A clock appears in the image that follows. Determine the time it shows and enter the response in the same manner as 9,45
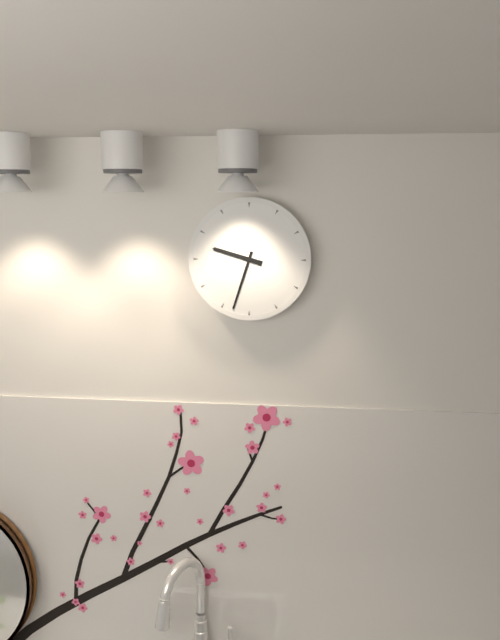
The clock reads 9,33
